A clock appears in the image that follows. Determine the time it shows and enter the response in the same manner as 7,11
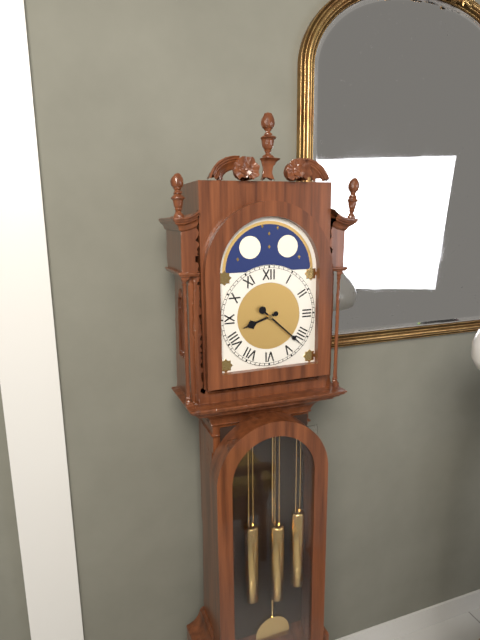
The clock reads 8,22
